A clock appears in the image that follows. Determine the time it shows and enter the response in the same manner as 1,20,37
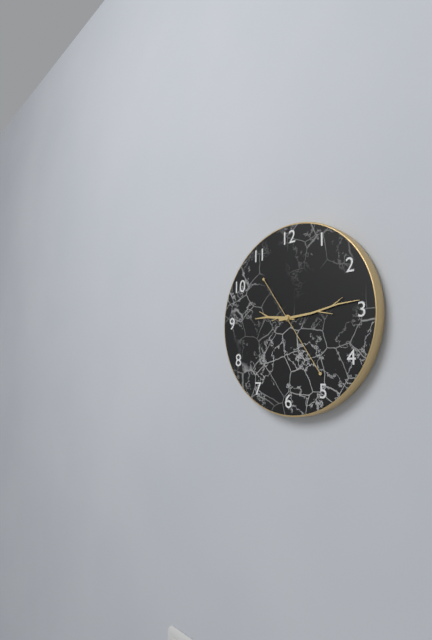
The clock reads 9,14,24
